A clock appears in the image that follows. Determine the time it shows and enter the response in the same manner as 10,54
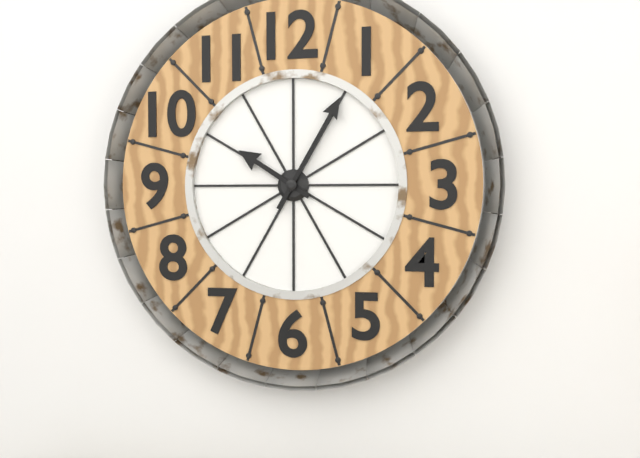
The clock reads 10,05
